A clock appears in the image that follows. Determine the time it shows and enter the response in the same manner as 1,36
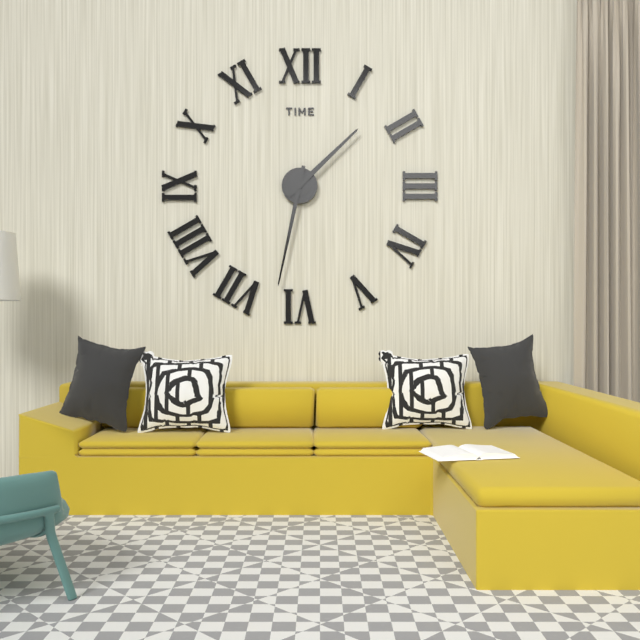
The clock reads 1,32
